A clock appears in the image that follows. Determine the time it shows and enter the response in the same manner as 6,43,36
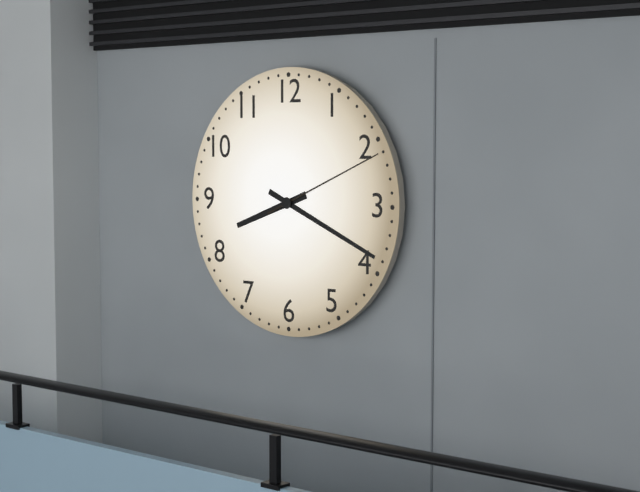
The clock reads 8,19,11
